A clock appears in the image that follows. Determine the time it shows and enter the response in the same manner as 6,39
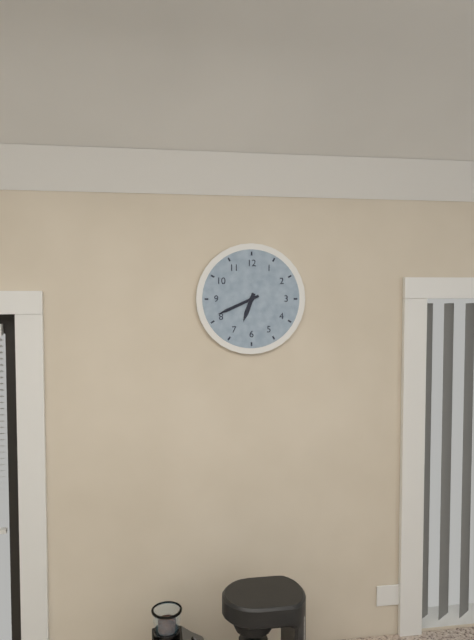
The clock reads 6,41
